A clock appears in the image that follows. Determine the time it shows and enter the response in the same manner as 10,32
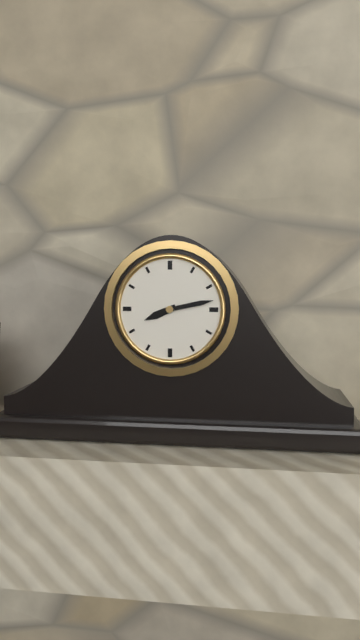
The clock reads 8,13
